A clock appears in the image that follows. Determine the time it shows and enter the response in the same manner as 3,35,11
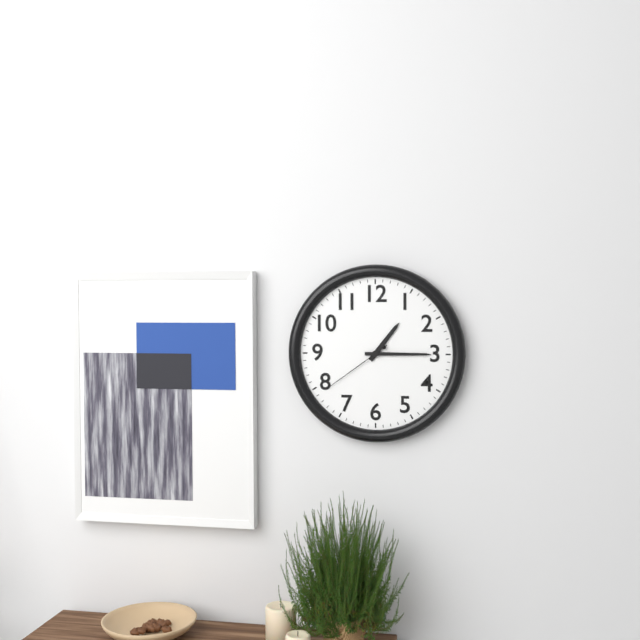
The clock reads 1,15,39
